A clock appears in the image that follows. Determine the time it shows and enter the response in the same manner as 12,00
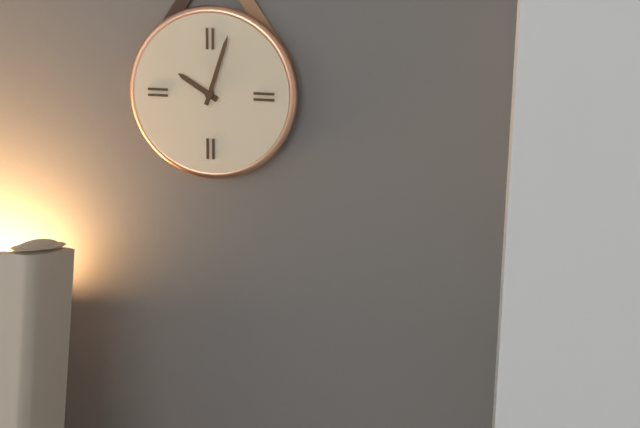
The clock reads 10,03
